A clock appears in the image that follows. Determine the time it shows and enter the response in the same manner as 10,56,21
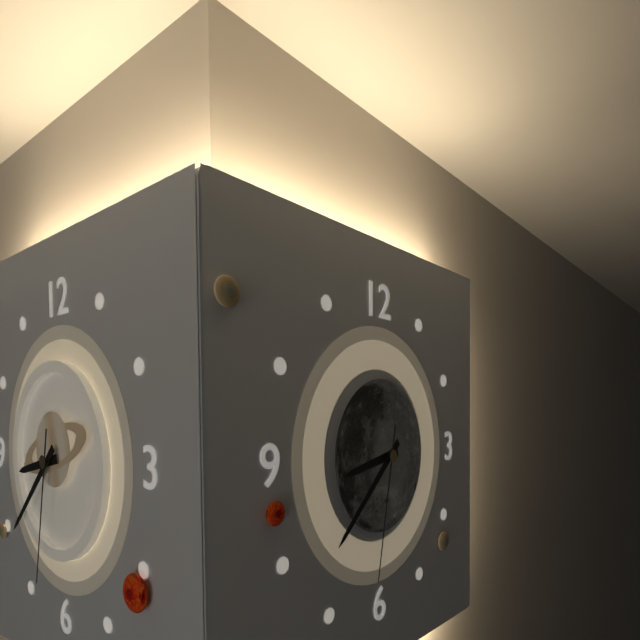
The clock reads 8,38,32
